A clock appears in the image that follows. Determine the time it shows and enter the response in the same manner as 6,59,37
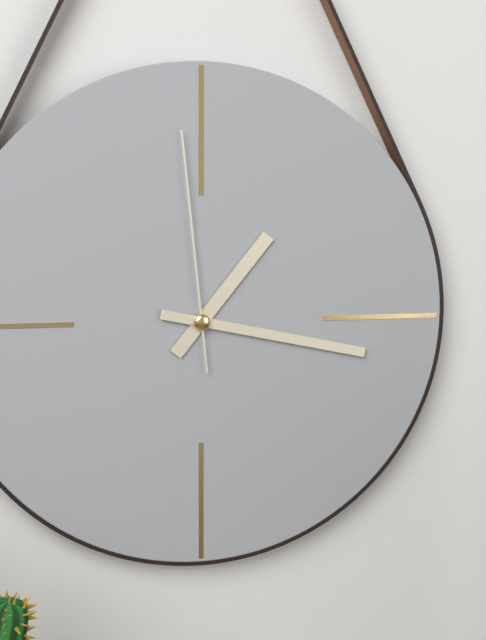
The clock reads 1,17,59
